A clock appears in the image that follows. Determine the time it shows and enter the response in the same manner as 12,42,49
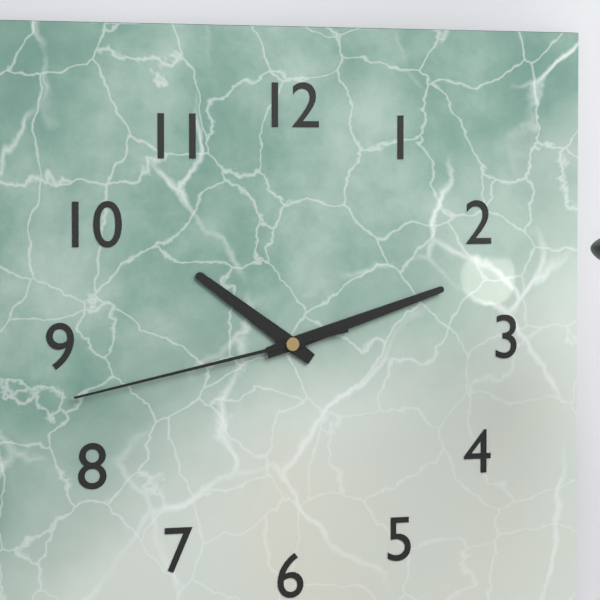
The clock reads 10,12,43
